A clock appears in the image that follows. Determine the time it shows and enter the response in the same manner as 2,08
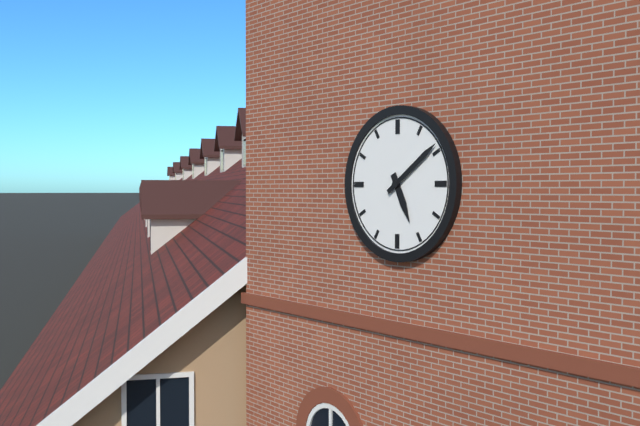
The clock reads 5,09
